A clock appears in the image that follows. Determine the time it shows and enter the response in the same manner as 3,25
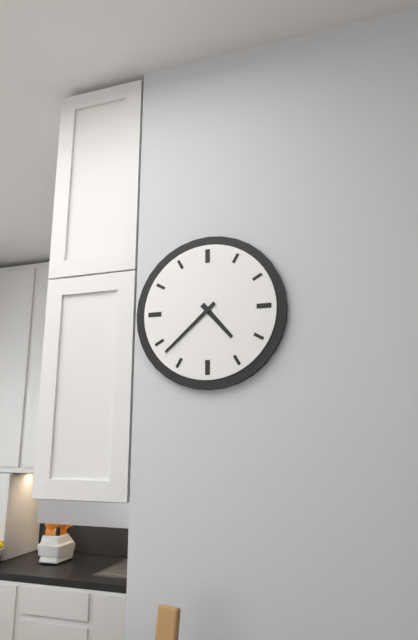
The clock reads 4,38
